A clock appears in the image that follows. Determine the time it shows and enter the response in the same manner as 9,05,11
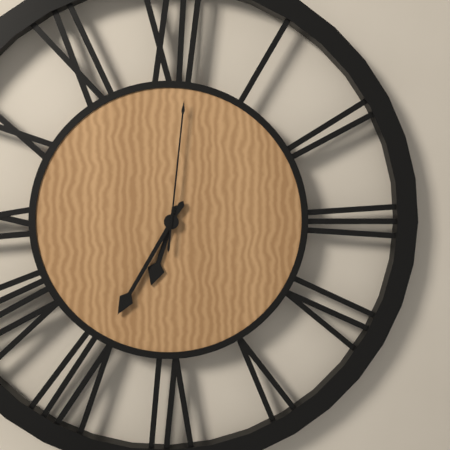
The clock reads 6,35,01
